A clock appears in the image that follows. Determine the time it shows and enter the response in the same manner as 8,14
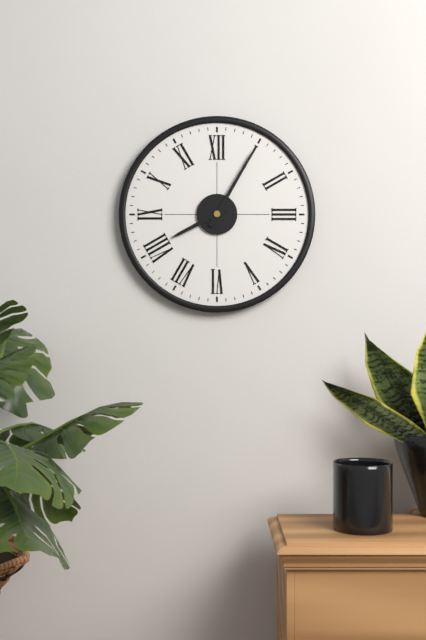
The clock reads 8,05
